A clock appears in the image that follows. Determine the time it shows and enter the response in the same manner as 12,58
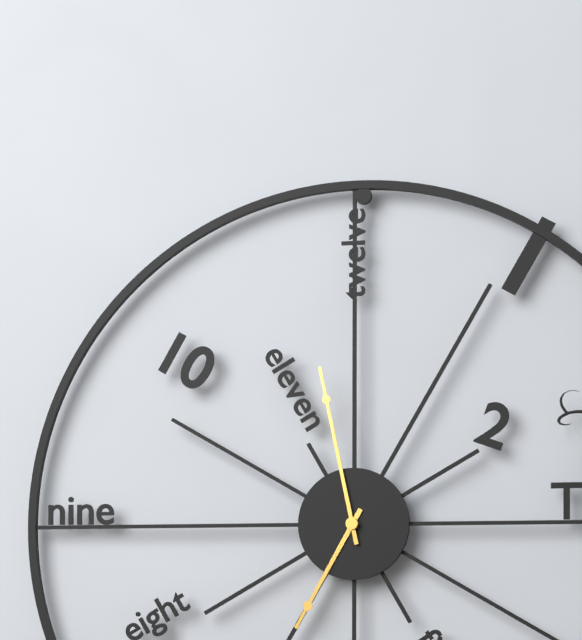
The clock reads 6,58
